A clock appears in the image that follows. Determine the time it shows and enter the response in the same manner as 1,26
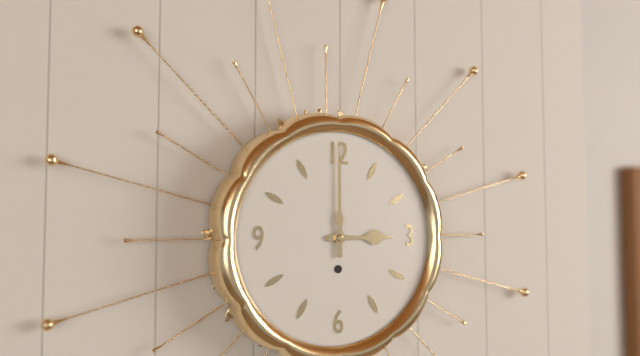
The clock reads 3,00
